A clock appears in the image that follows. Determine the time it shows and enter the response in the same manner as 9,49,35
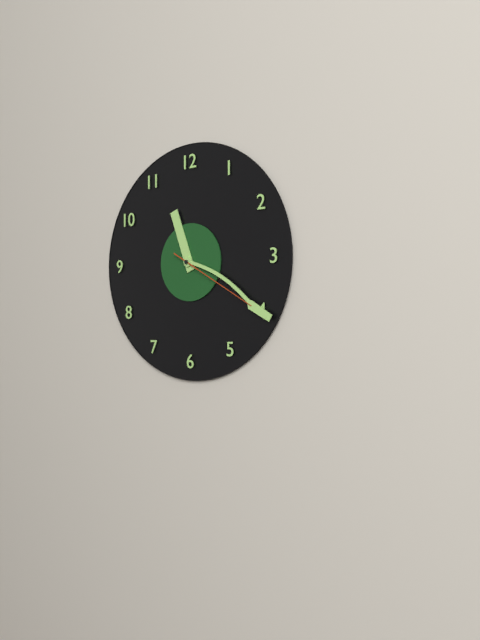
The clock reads 11,20,20
